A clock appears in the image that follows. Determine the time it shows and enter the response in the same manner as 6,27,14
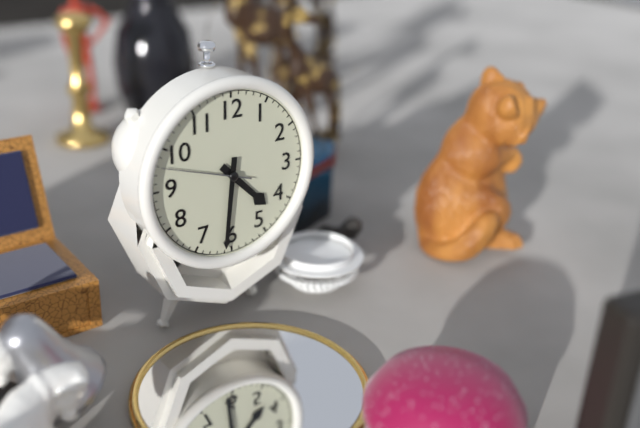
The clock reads 4,31,48
